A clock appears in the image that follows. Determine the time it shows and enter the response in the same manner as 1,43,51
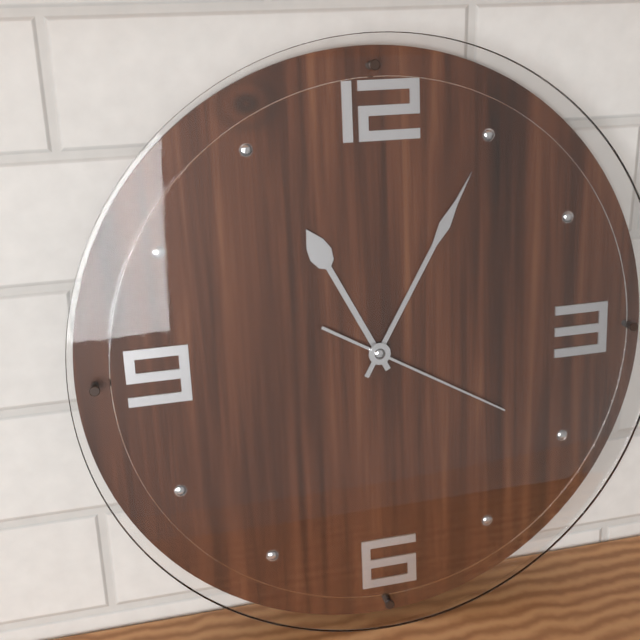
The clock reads 11,05,20
